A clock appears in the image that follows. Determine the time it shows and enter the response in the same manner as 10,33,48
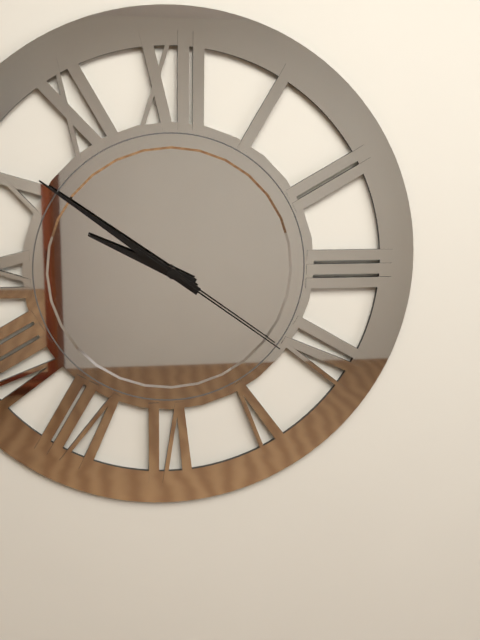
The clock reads 9,51,21
